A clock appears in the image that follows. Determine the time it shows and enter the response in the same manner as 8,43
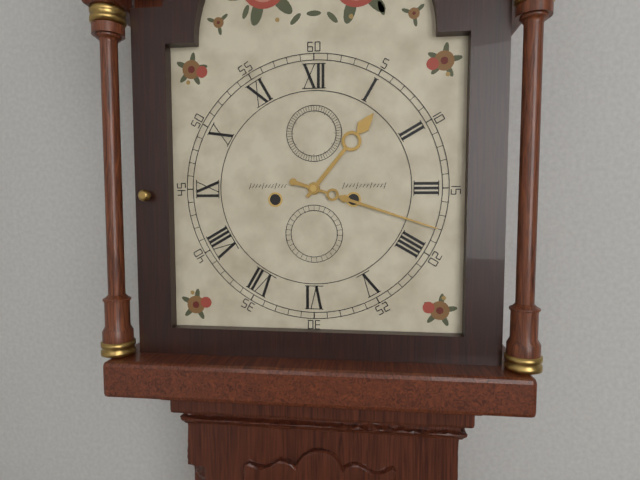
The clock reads 1,18
